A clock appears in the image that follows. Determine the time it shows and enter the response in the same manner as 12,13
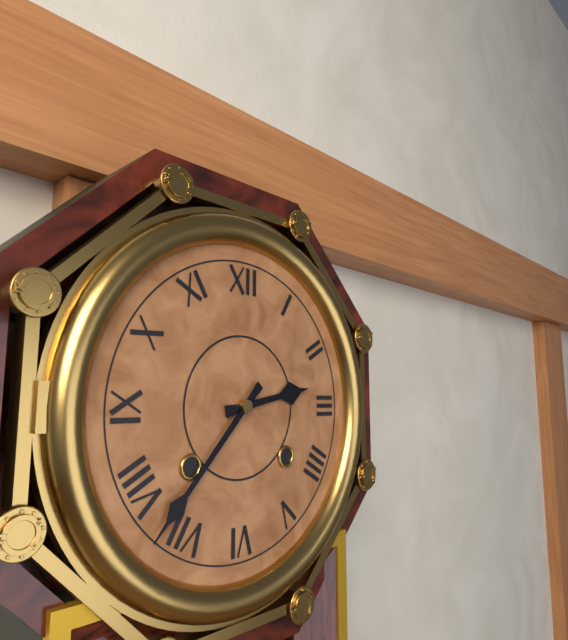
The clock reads 2,37
